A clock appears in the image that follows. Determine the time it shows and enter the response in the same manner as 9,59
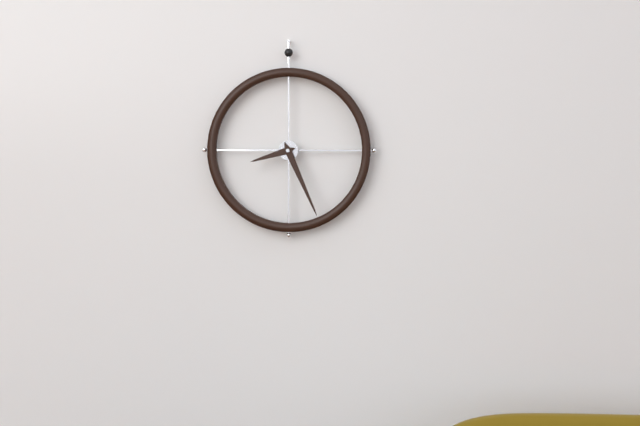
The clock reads 8,26
